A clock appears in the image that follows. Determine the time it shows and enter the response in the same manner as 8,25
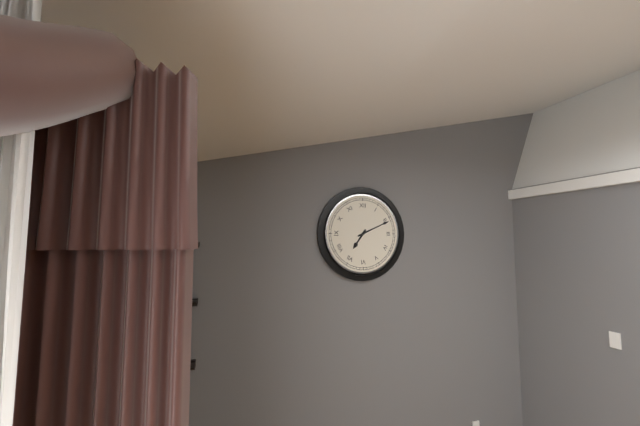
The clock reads 7,11
